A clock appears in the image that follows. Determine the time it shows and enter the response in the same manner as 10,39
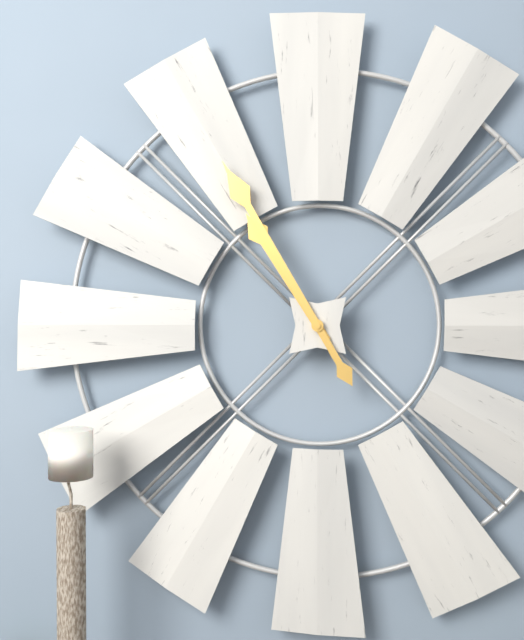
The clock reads 10,55
